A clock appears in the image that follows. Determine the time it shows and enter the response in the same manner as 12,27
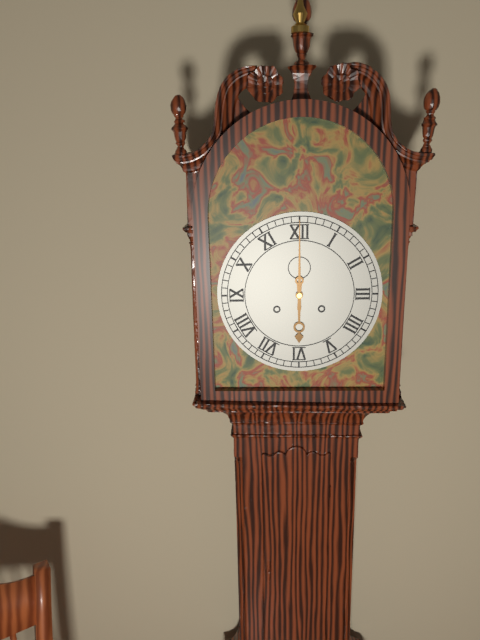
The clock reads 6,00
